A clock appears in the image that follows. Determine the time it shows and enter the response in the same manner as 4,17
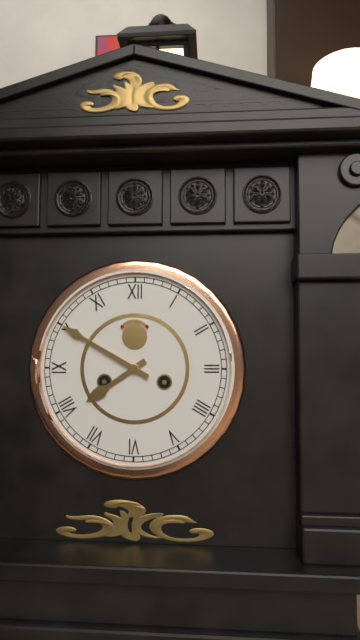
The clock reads 7,50
